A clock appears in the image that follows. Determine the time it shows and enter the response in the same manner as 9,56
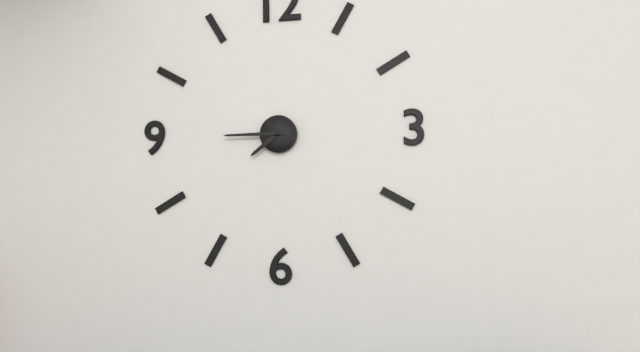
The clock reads 7,45
